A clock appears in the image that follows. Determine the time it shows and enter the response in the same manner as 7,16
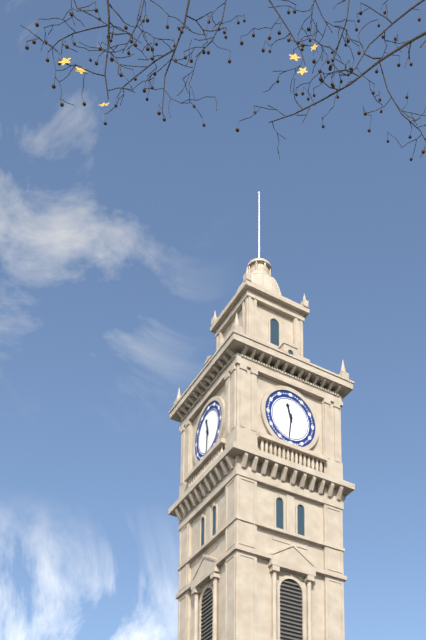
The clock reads 11,31
